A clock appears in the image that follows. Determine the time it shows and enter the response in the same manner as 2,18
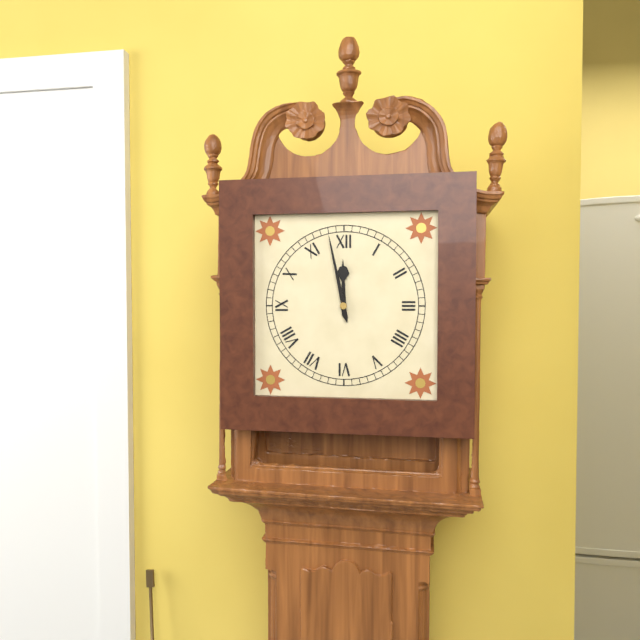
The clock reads 11,58
